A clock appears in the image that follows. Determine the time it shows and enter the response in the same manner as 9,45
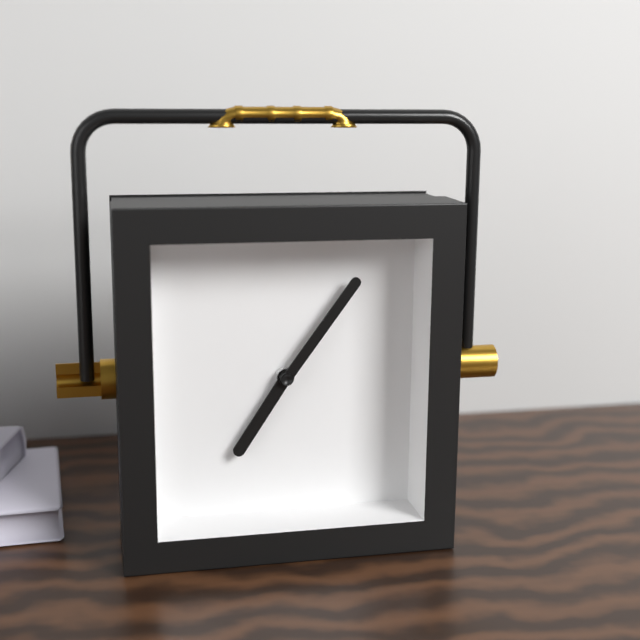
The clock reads 7,06
